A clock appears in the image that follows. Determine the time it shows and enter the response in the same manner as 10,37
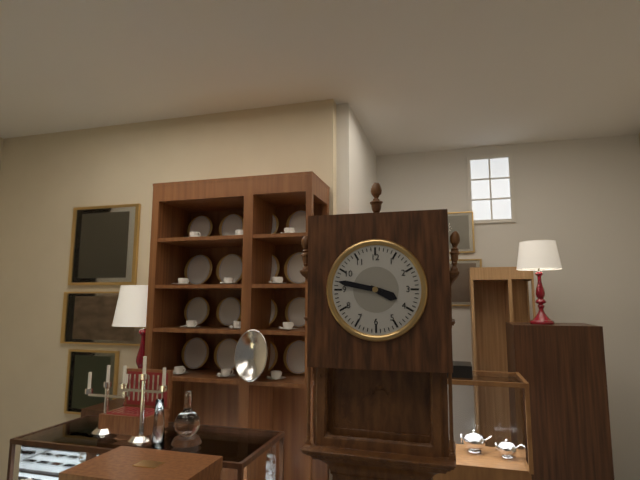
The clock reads 3,47
